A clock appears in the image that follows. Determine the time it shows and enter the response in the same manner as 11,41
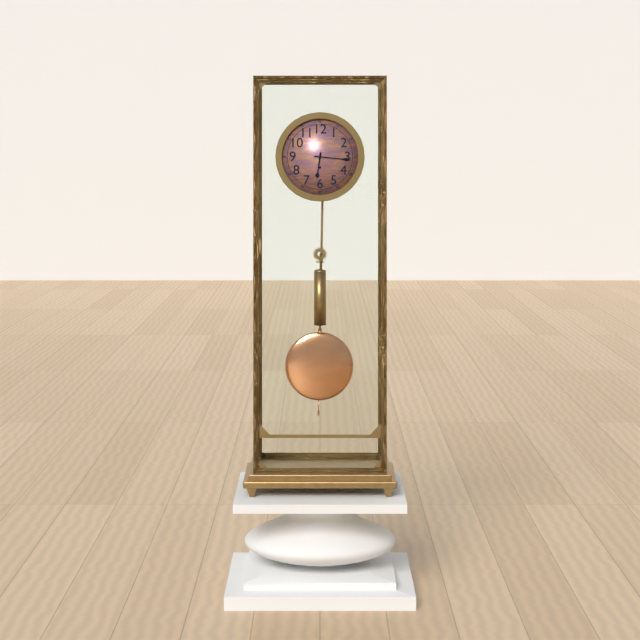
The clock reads 6,16
